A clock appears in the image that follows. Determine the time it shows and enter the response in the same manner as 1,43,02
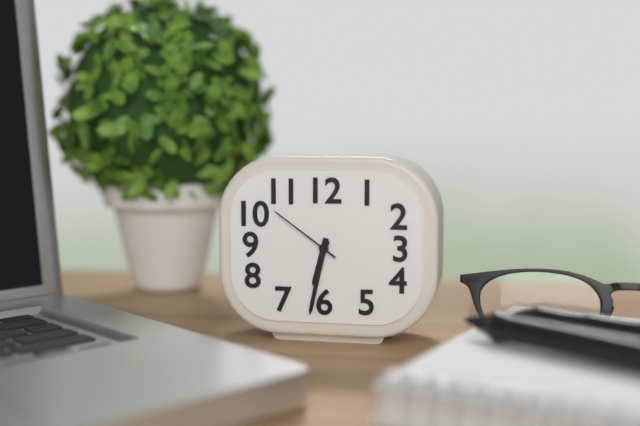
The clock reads 6,32,51
